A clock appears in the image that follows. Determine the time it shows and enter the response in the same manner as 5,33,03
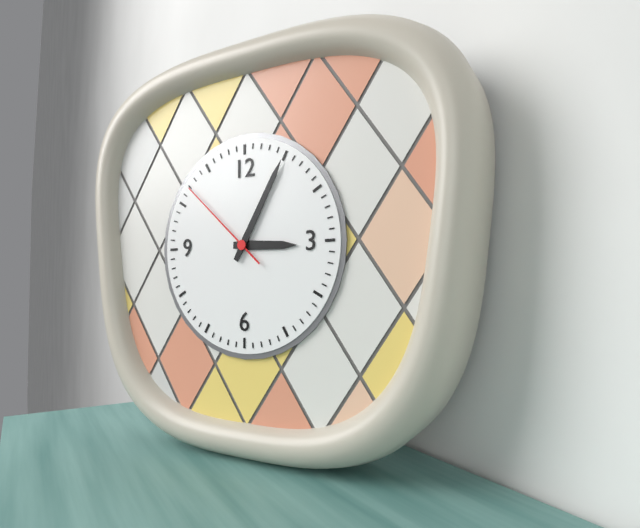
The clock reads 3,05,52
